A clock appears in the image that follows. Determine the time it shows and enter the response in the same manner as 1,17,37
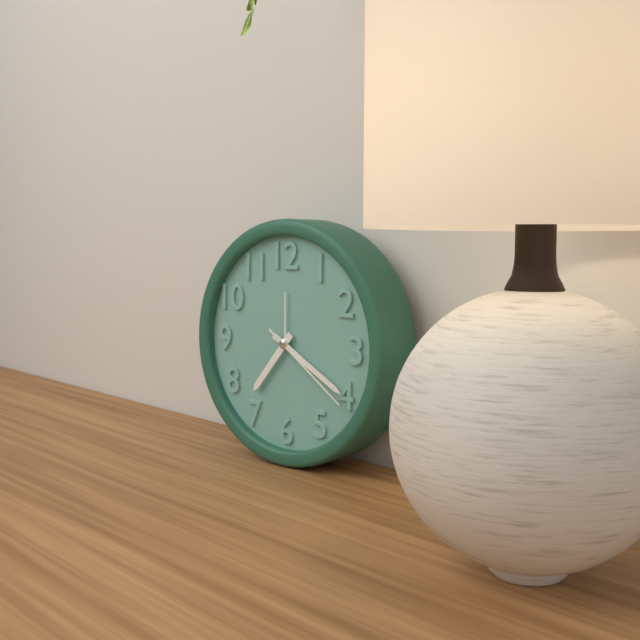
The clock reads 7,20,21
